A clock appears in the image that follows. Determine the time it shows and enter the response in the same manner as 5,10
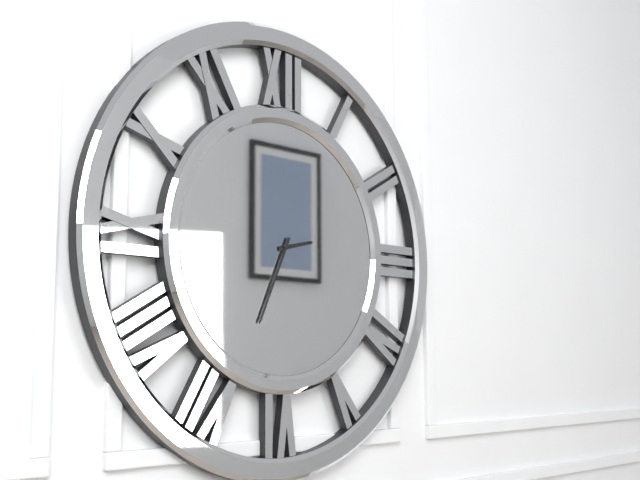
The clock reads 2,34
